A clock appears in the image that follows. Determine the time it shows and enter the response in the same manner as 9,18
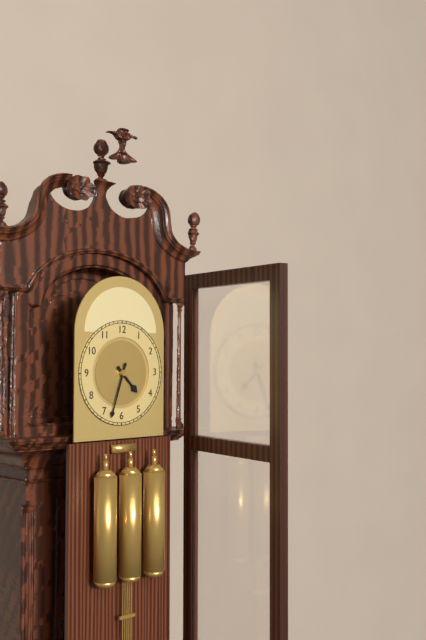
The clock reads 4,33
